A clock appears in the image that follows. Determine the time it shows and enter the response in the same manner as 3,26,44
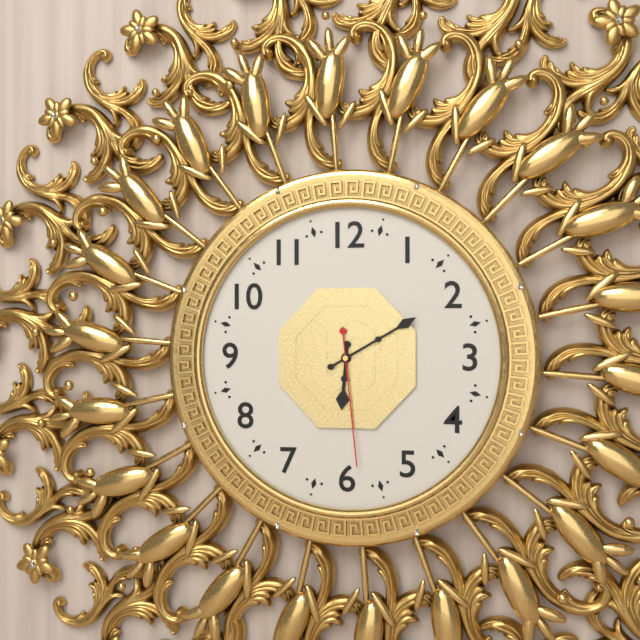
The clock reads 6,10,29
